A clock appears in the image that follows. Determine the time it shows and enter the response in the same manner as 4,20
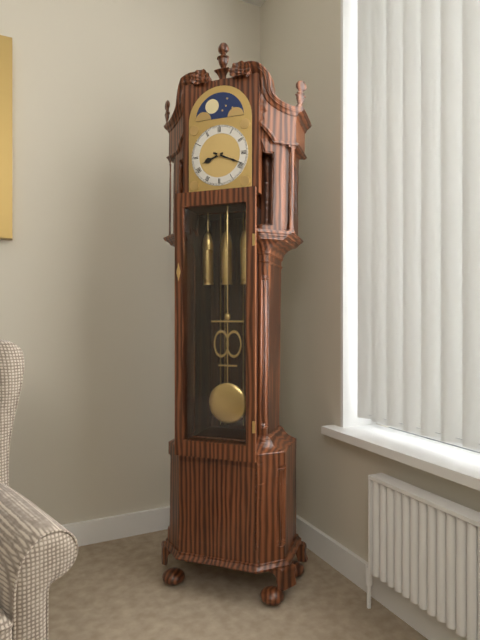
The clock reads 8,19
